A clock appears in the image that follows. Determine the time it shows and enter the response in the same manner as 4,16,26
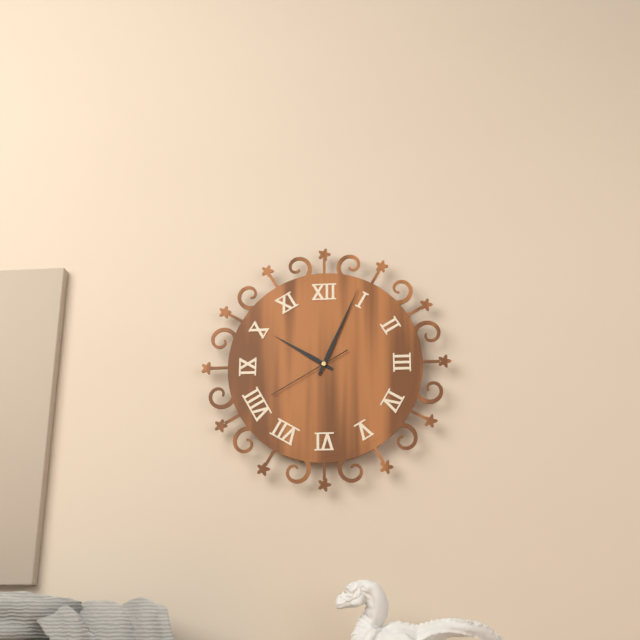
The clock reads 10,04,40
